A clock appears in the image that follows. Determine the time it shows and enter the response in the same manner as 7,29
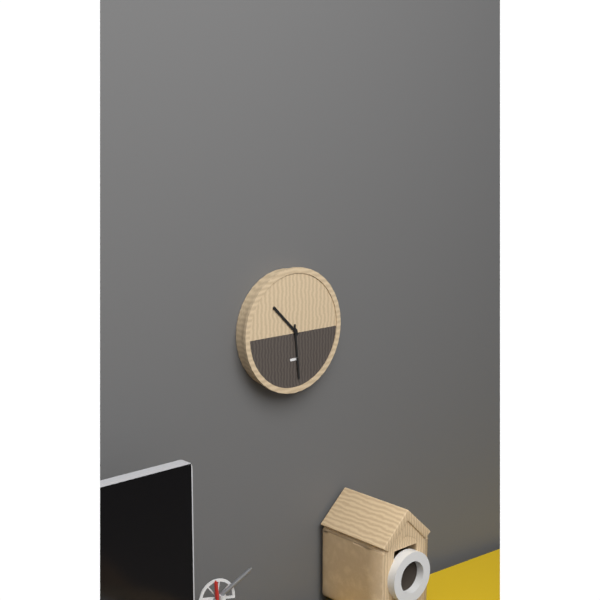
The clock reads 10,29
